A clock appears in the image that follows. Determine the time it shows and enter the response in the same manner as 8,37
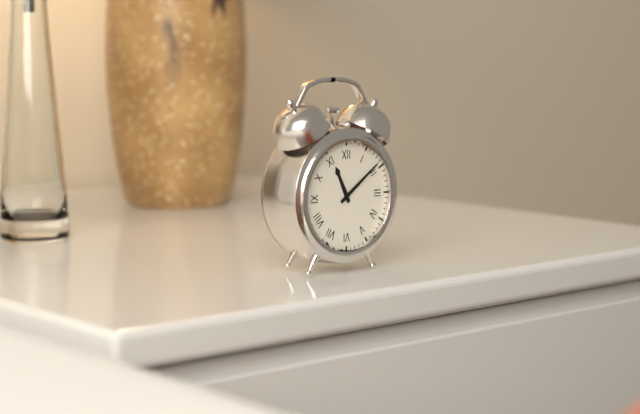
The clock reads 11,09
